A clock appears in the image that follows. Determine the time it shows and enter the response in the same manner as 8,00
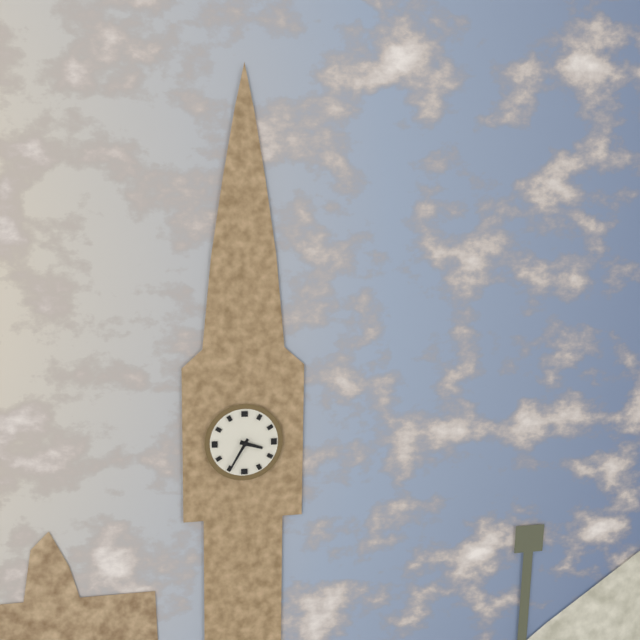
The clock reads 3,35
